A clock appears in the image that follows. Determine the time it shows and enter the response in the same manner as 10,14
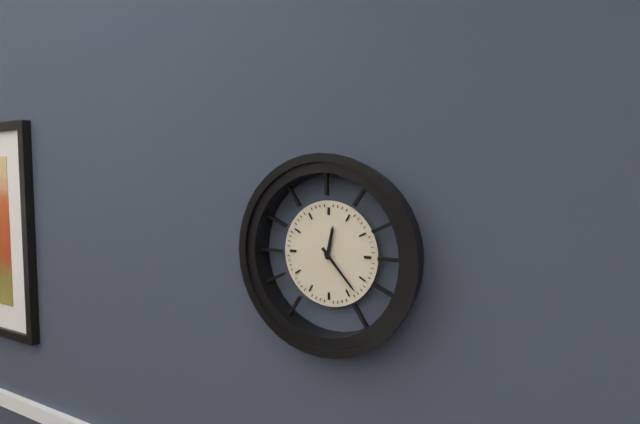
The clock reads 12,23
